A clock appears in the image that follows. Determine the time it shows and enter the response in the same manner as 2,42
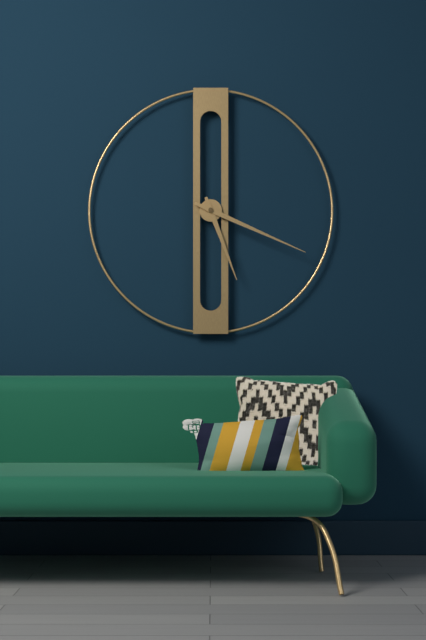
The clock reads 5,19
